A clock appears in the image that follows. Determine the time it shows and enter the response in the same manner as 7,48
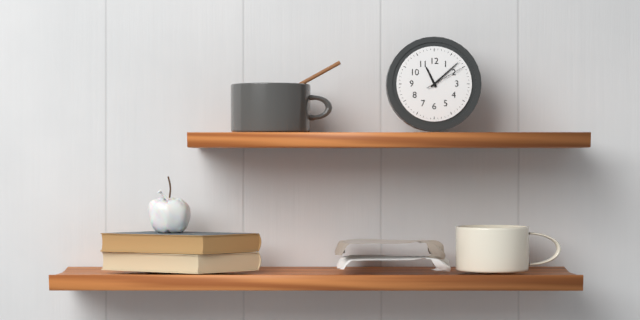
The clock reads 11,08
